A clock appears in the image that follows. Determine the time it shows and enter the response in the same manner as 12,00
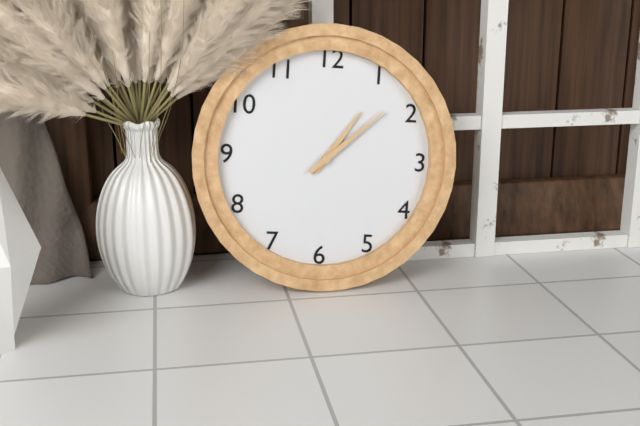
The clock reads 1,08
